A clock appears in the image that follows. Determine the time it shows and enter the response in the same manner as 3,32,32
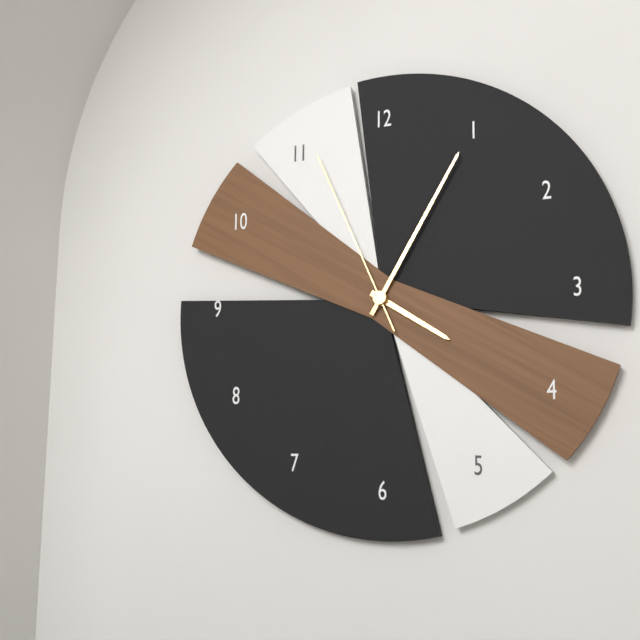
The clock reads 4,05,56
